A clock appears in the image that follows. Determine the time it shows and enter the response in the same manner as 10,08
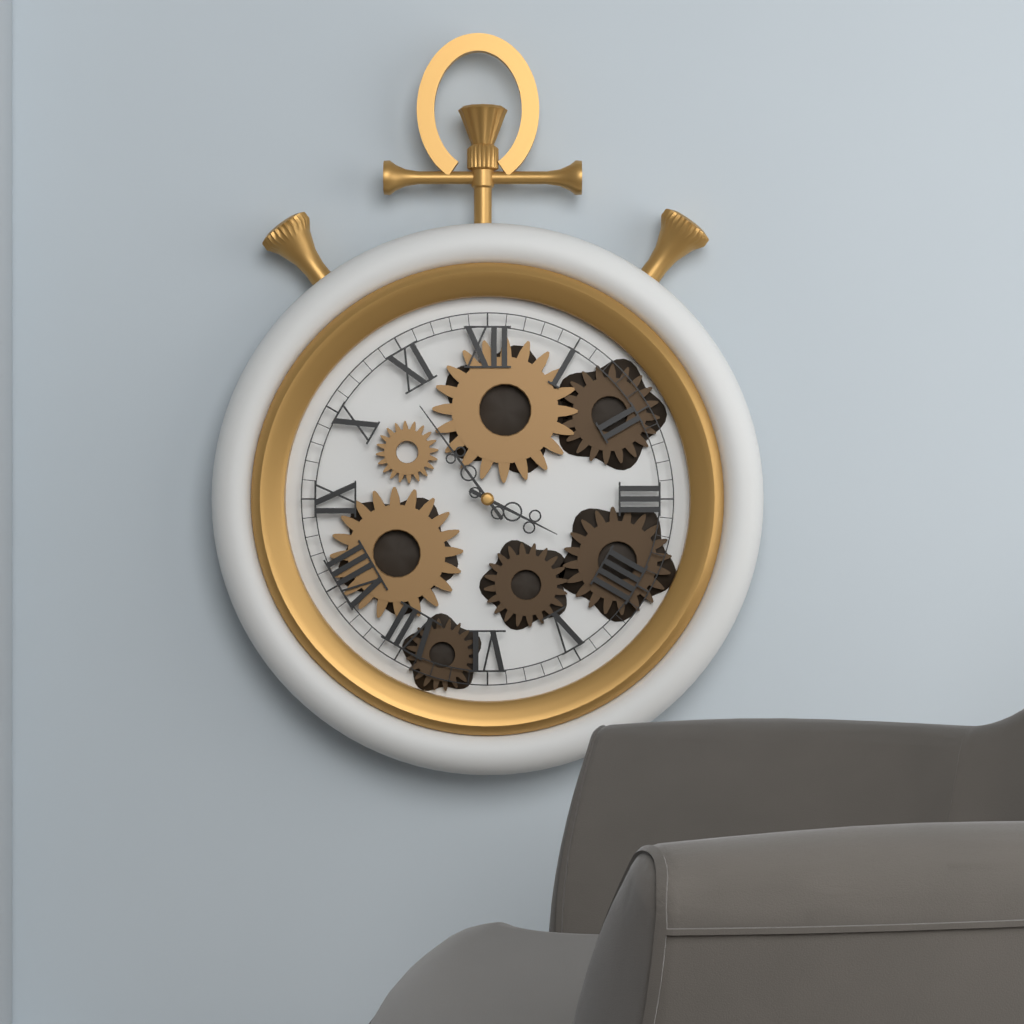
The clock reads 3,54
